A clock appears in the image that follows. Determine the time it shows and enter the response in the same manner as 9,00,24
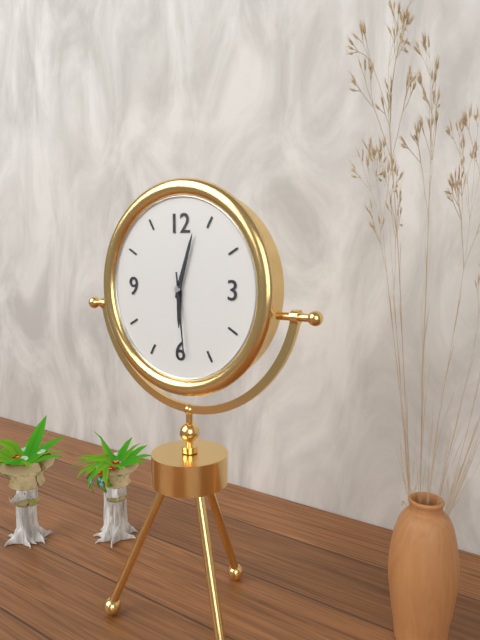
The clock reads 6,03,29
